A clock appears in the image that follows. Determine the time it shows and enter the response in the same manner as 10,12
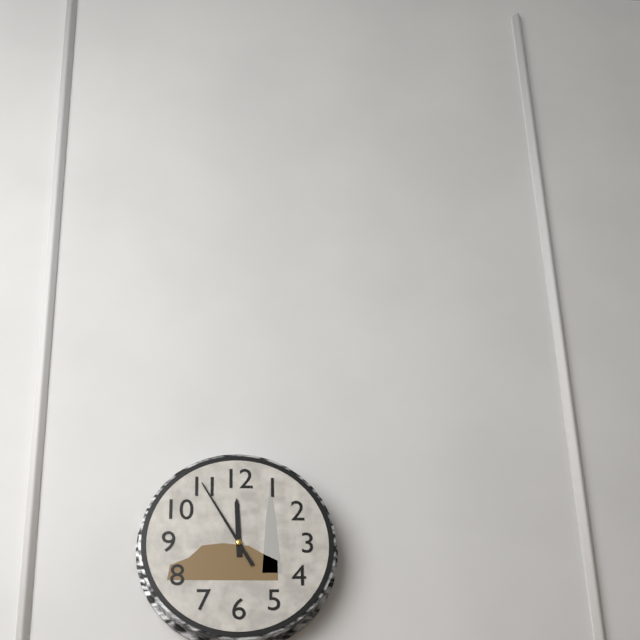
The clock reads 11,55
